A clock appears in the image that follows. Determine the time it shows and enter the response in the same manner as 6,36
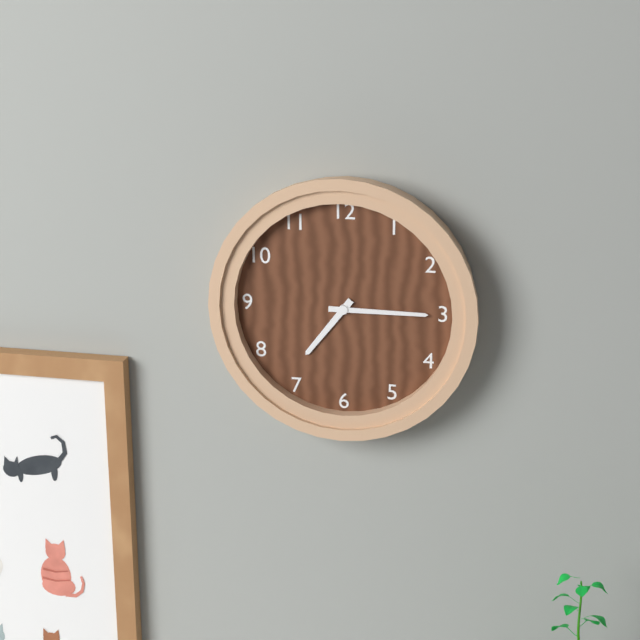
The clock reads 7,15
